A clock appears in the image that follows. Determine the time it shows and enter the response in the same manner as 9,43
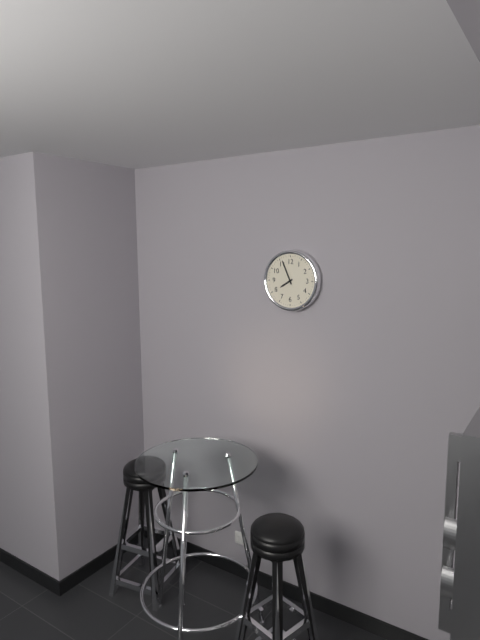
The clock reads 7,56
